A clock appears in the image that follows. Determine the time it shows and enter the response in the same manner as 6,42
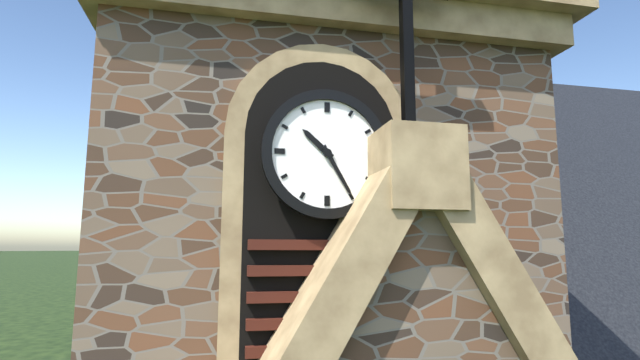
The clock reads 10,25
